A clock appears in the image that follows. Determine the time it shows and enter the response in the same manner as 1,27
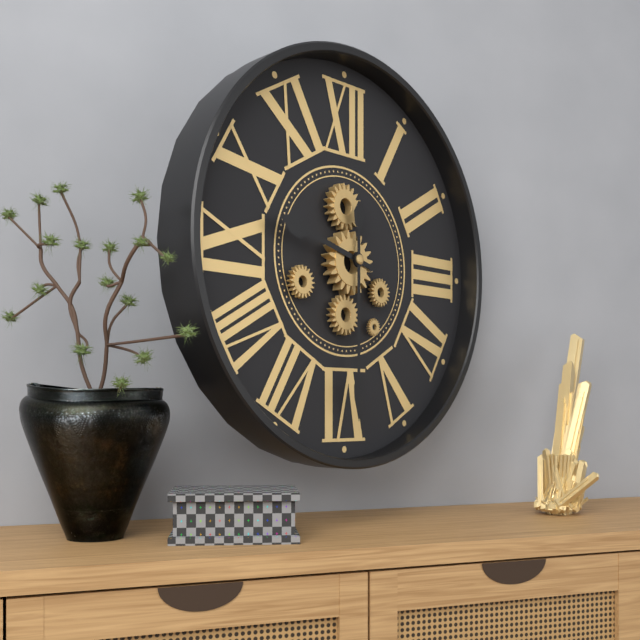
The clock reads 9,30
